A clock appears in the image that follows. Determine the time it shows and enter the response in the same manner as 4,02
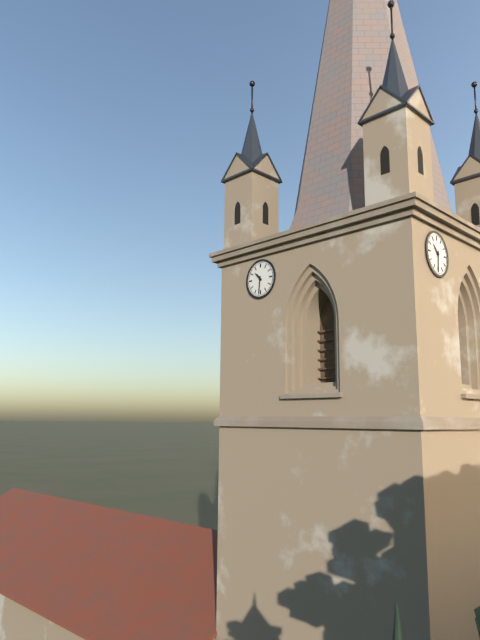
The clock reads 10,31
